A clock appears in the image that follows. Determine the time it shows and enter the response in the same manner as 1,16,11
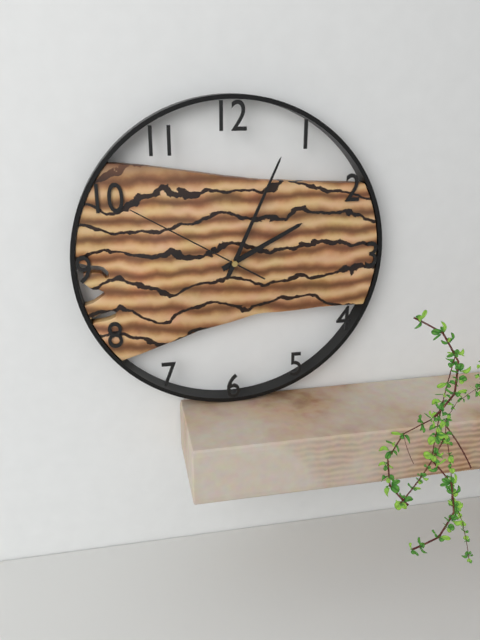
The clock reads 2,04,50
